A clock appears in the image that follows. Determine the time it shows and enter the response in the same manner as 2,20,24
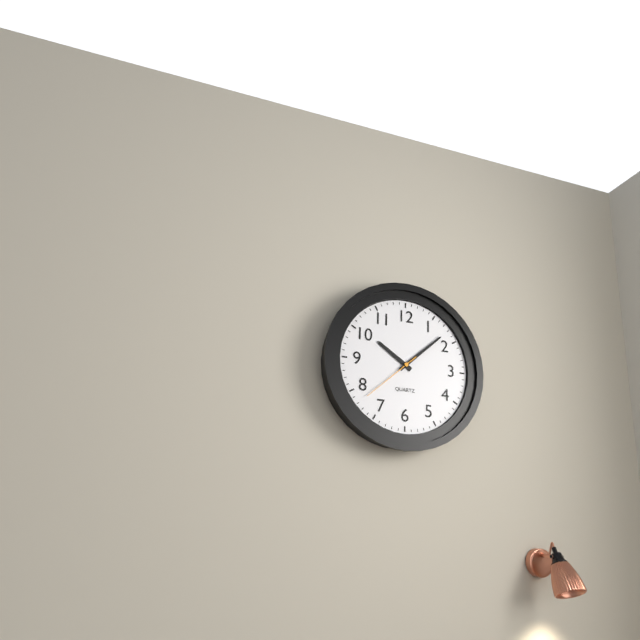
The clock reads 10,08,38
